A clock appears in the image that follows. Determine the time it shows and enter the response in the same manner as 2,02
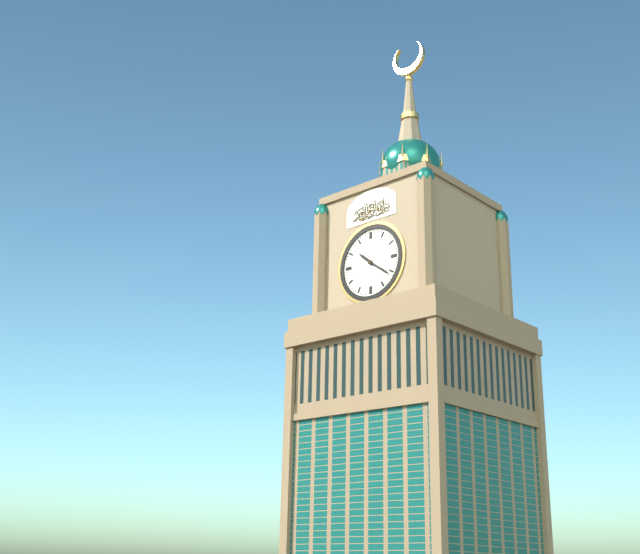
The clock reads 10,21
